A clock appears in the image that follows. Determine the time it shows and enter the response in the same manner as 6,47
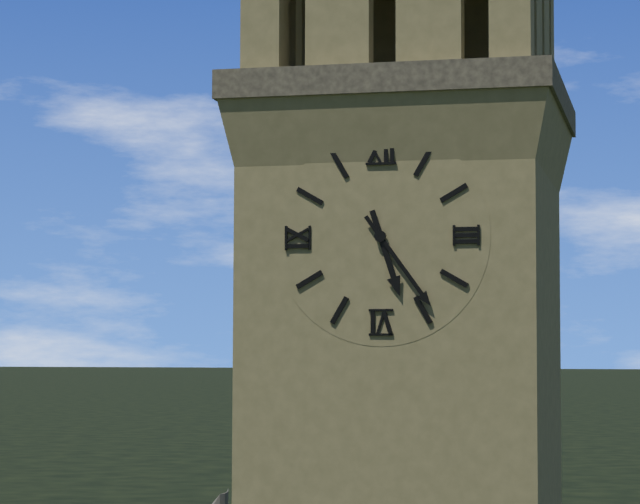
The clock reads 5,24
